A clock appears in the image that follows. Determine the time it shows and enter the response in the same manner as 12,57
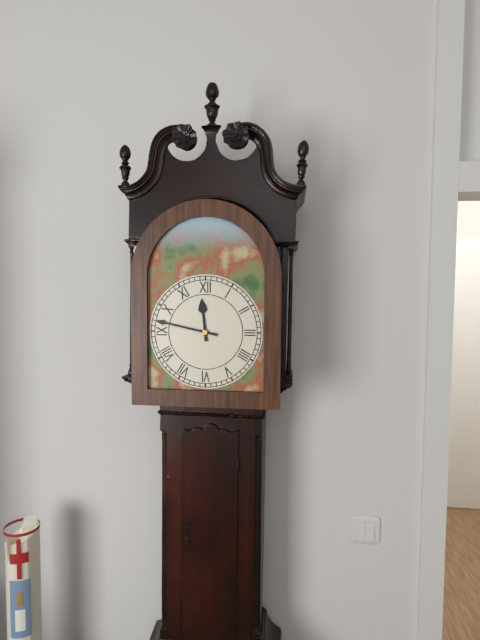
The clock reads 11,47
